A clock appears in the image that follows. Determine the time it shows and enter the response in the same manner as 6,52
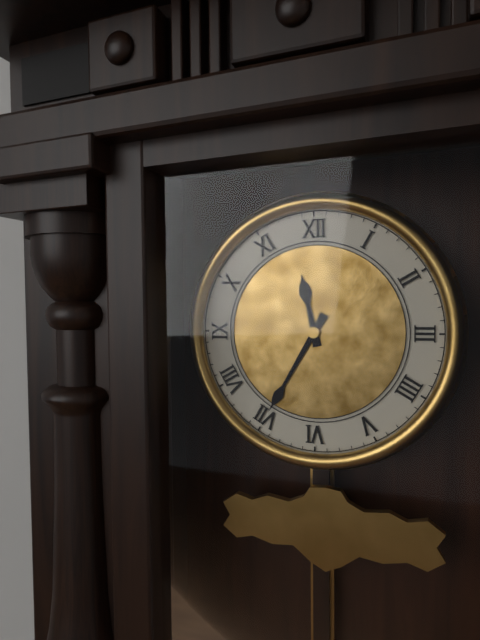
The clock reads 11,35
